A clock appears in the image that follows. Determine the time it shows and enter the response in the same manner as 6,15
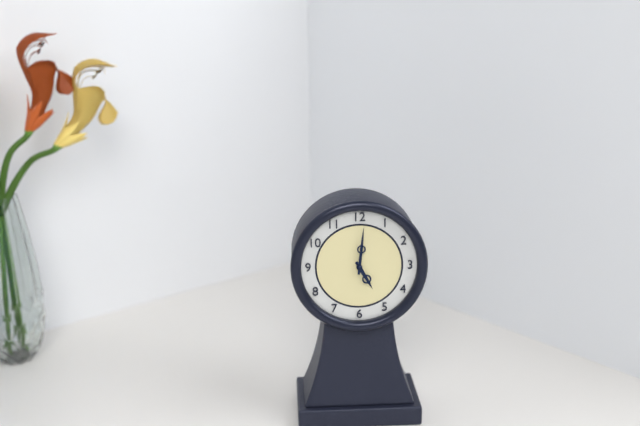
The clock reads 5,01
